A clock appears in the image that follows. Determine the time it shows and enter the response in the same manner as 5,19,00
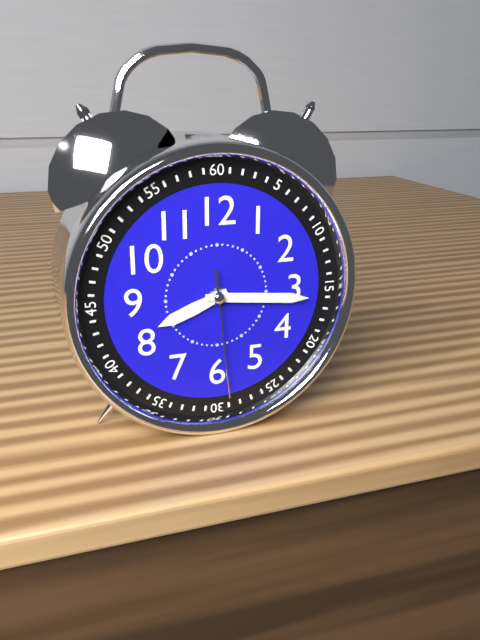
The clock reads 8,16,29
